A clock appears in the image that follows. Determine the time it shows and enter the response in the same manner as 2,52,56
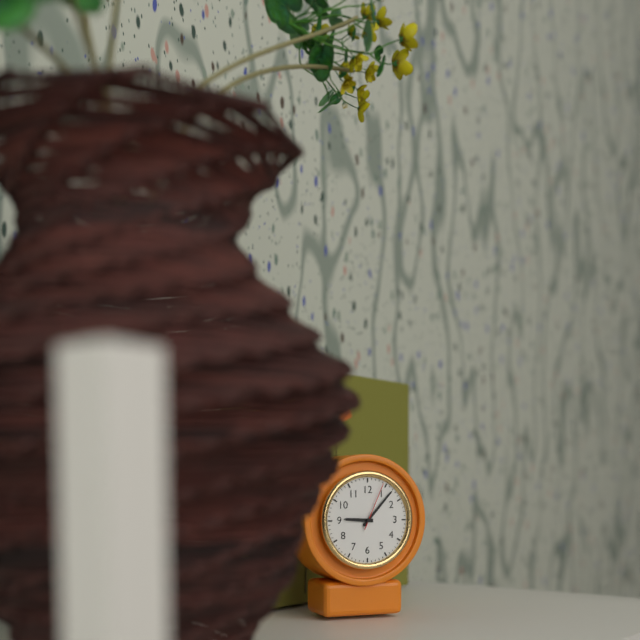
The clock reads 9,07,04
